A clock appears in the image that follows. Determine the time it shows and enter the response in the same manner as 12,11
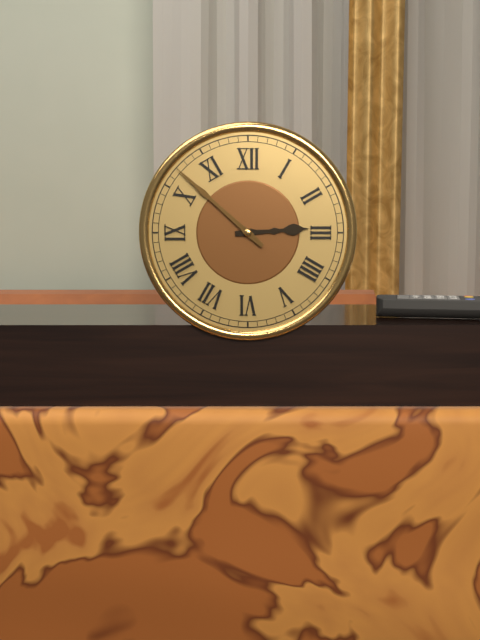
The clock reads 2,52
